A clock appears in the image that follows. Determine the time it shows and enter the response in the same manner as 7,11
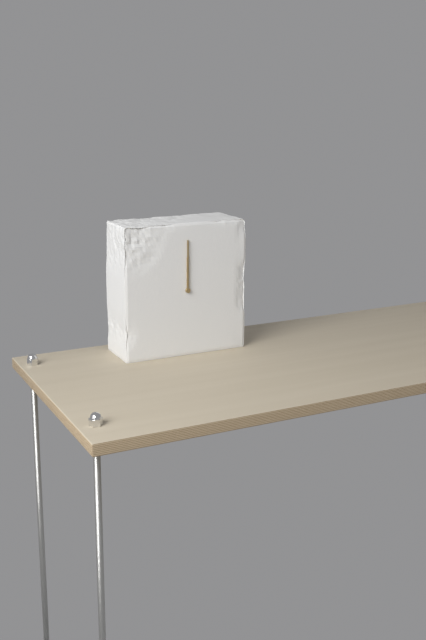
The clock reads 12,00
